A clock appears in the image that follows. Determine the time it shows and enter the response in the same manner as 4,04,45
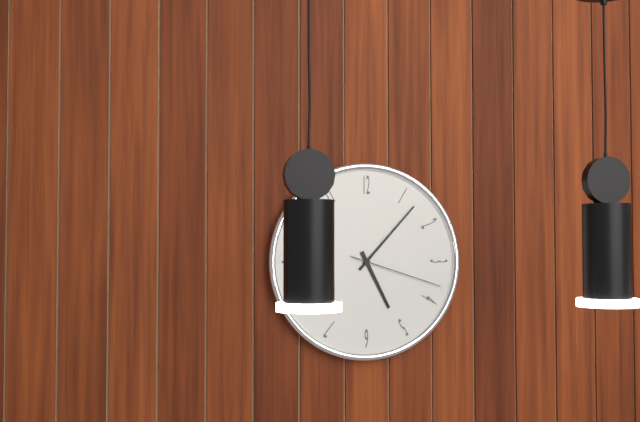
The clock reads 5,07,18
